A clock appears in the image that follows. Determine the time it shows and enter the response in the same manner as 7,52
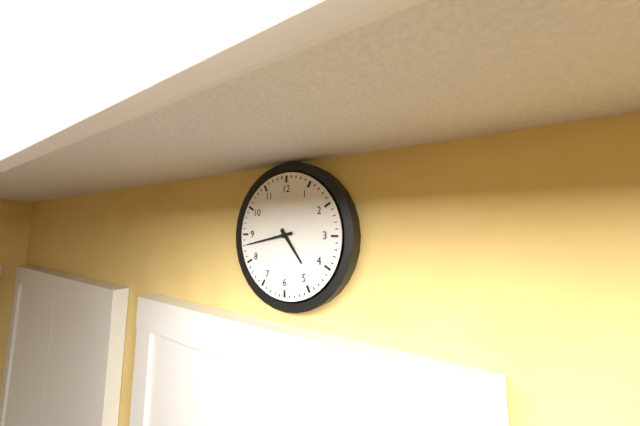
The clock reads 4,43
